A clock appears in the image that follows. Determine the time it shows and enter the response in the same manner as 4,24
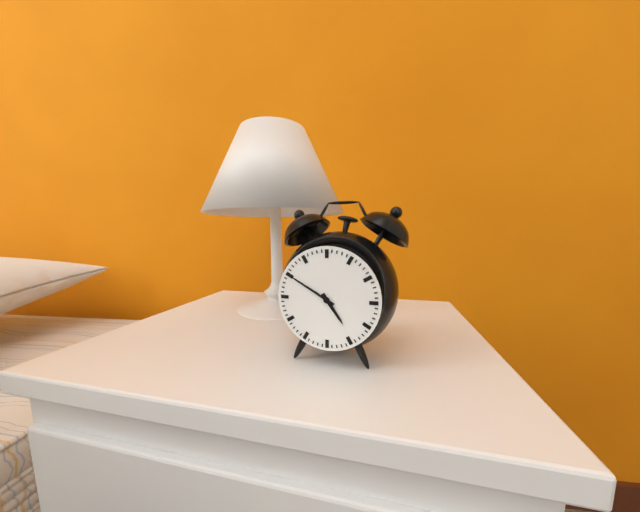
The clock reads 4,50
